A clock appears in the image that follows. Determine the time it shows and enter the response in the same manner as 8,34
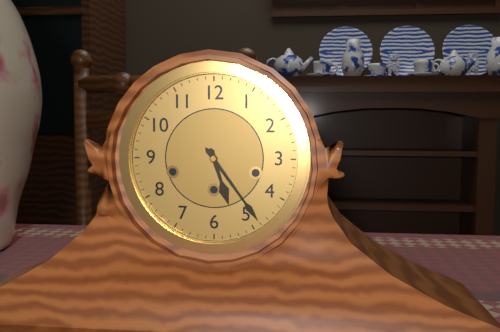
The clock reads 5,24
